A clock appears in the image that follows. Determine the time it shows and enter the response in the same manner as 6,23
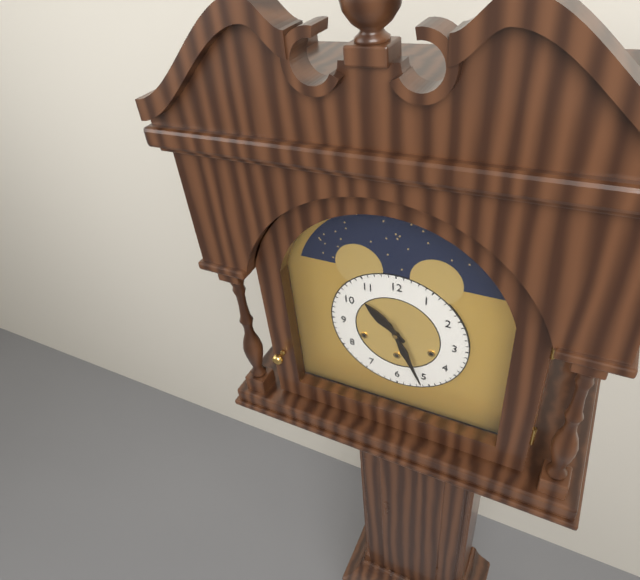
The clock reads 10,26
